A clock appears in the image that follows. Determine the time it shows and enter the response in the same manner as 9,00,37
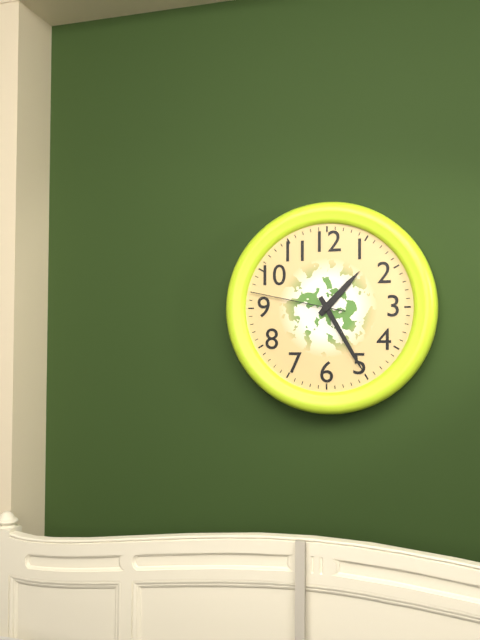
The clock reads 1,25,47
